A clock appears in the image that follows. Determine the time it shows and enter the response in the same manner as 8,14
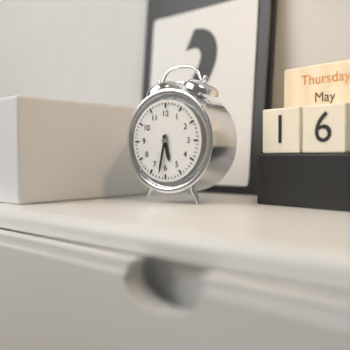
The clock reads 5,32
